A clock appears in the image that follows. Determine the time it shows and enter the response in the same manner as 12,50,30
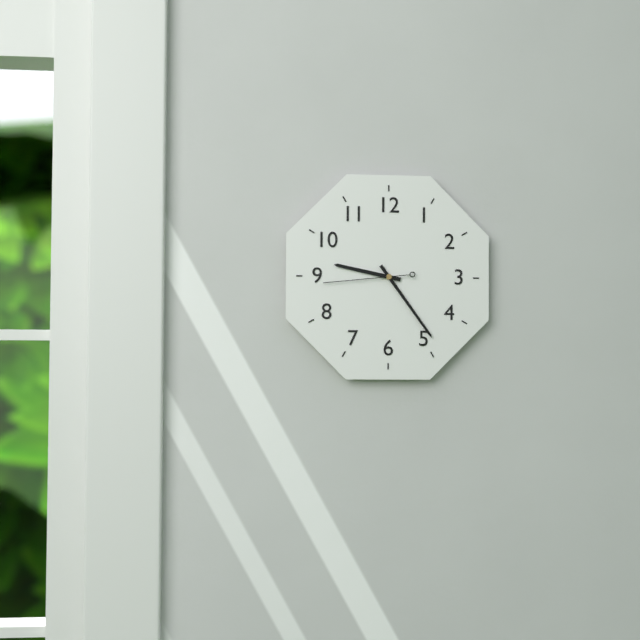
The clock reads 9,24,44
